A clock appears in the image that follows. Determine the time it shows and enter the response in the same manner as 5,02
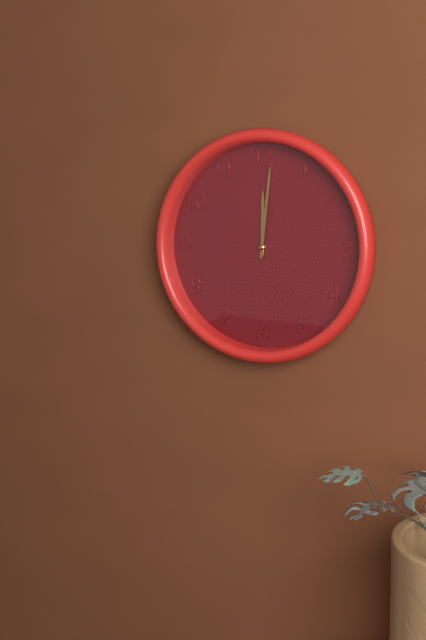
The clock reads 12,01
